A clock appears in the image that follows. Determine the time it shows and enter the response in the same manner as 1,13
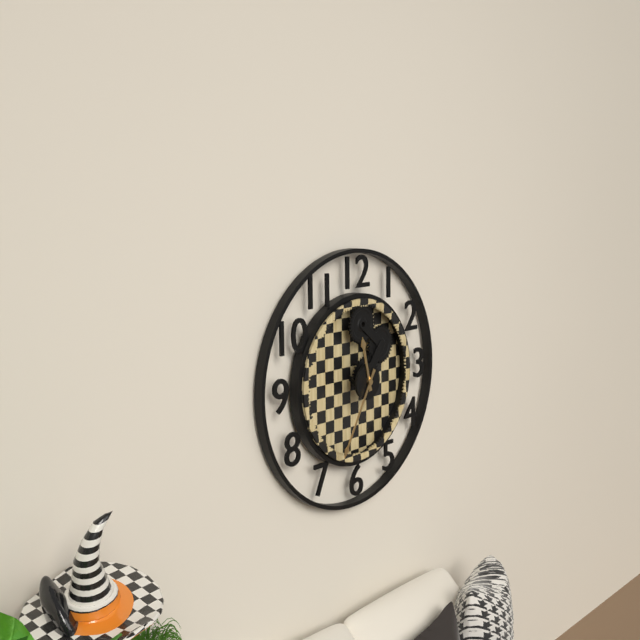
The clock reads 11,35
